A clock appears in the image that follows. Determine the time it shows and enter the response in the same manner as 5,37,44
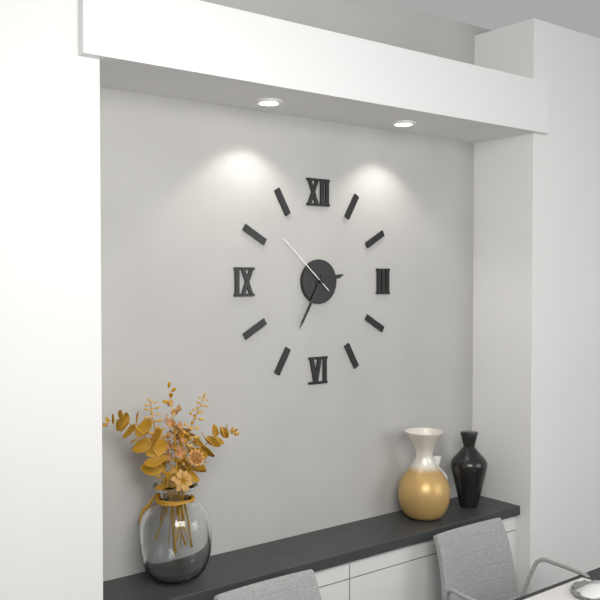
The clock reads 2,35,52
